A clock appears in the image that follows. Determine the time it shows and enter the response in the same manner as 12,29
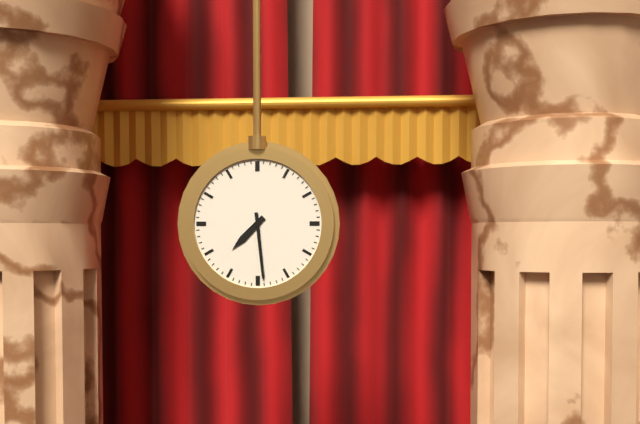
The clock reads 7,29
